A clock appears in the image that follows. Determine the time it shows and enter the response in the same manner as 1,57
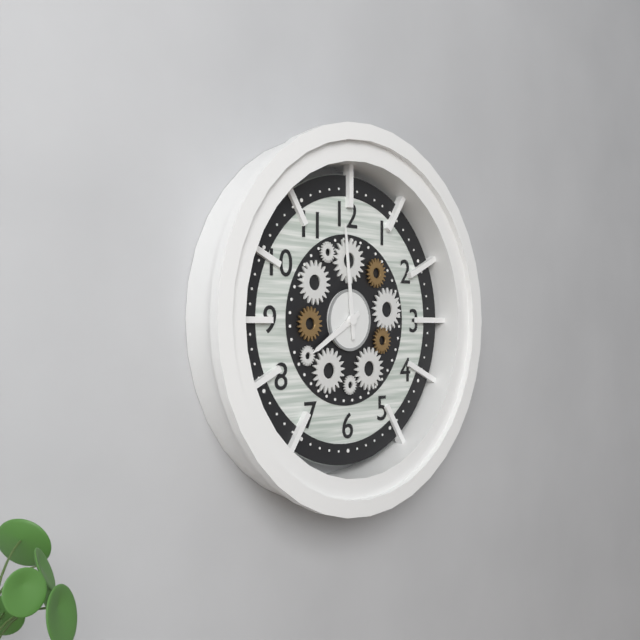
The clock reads 7,59
